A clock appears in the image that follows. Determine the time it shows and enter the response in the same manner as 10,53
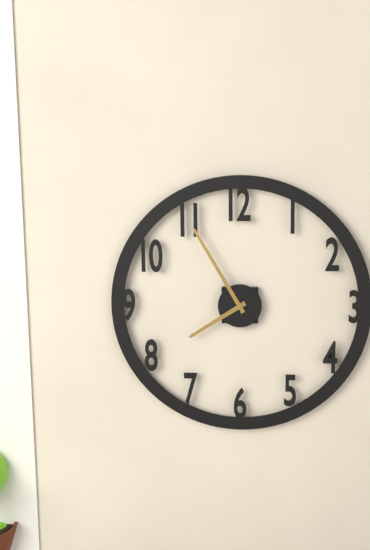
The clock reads 7,55
